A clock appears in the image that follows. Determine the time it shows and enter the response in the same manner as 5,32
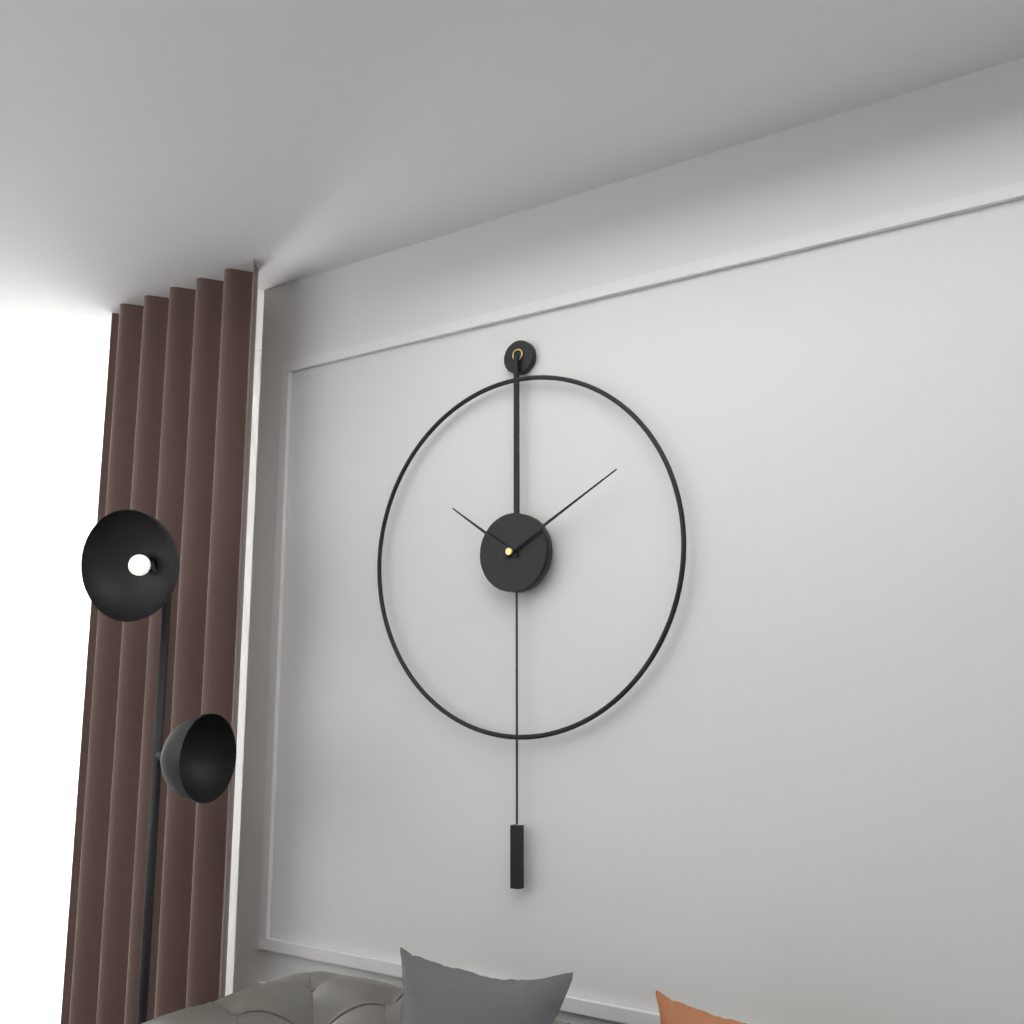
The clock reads 10,10
